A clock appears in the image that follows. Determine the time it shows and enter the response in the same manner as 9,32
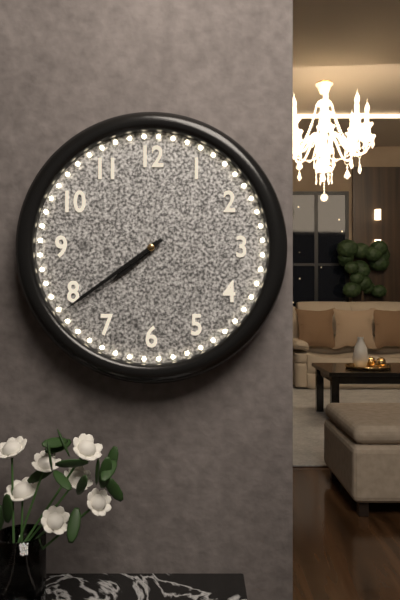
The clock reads 7,39
